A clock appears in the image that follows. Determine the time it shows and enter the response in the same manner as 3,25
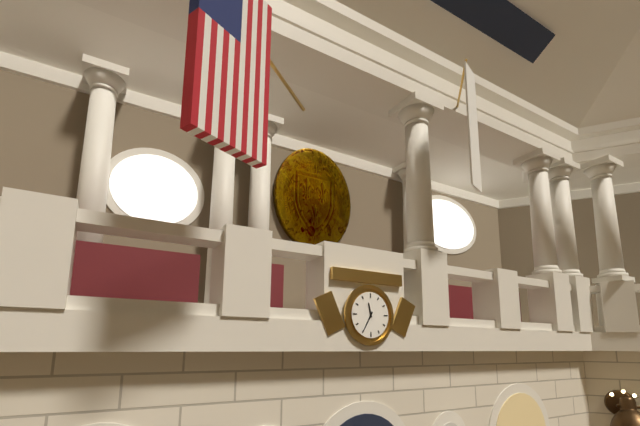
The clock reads 11,35
